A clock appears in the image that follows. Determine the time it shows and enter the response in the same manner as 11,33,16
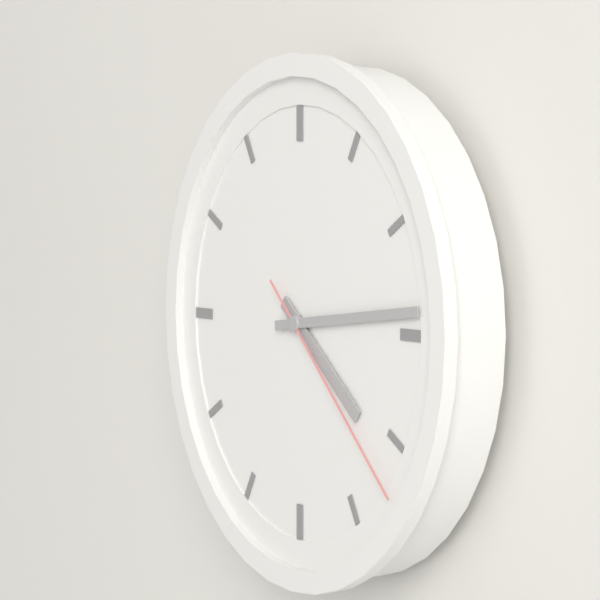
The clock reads 4,14,22
